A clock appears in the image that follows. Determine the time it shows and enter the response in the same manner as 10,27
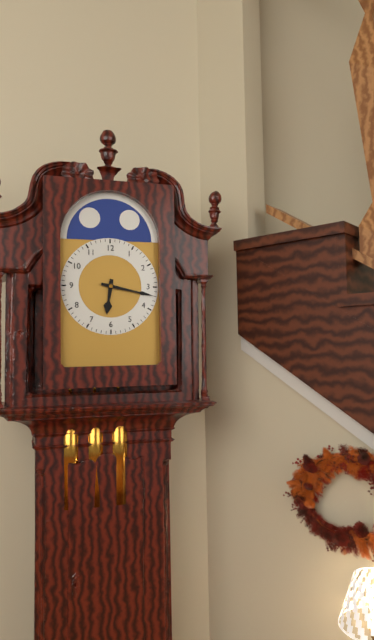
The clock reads 6,17
